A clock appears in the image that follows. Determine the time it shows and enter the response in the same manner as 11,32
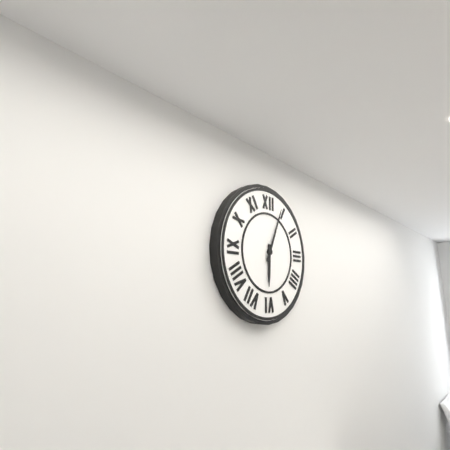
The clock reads 6,04
